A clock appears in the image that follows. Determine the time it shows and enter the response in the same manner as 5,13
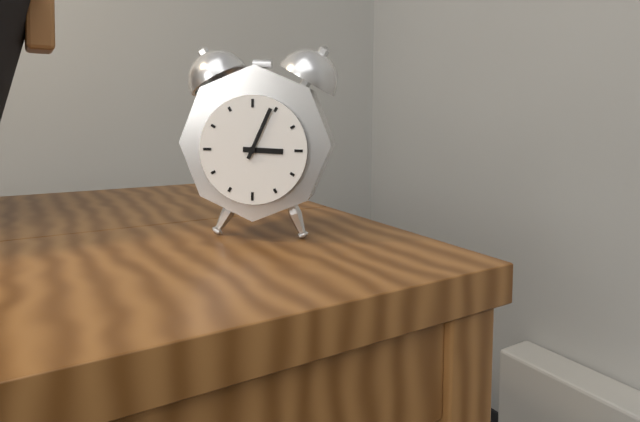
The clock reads 3,04
